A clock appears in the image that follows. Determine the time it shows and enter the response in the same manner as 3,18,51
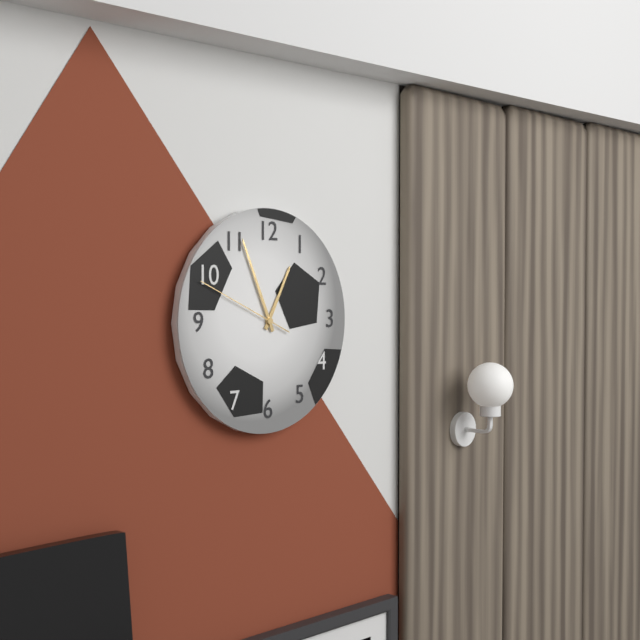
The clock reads 12,56,49
